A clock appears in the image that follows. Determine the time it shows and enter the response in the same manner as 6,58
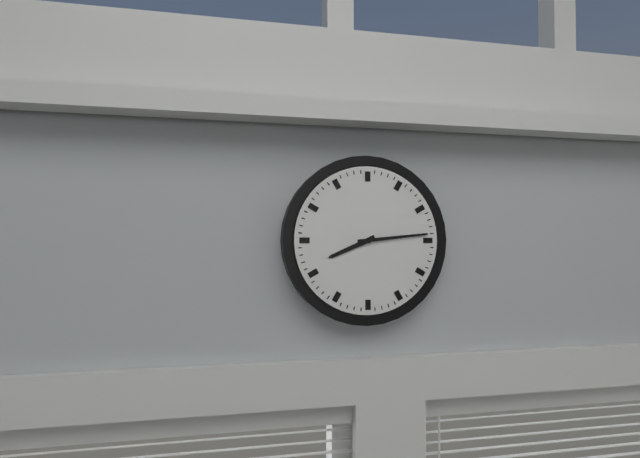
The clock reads 8,14
